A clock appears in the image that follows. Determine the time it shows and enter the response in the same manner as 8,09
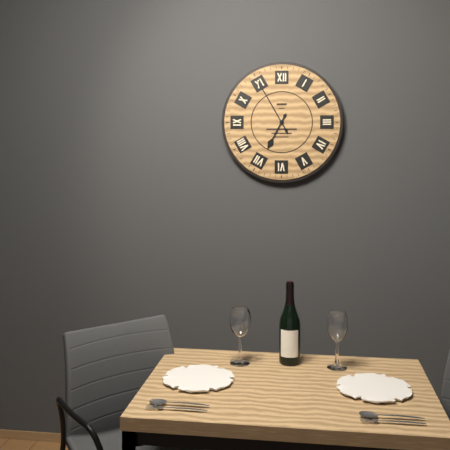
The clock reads 6,55
